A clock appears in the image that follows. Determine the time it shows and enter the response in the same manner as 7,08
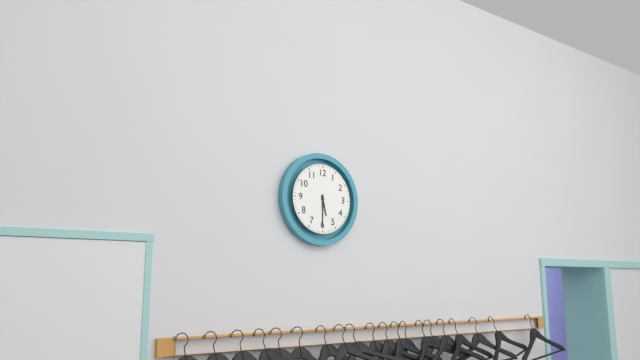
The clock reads 5,30
